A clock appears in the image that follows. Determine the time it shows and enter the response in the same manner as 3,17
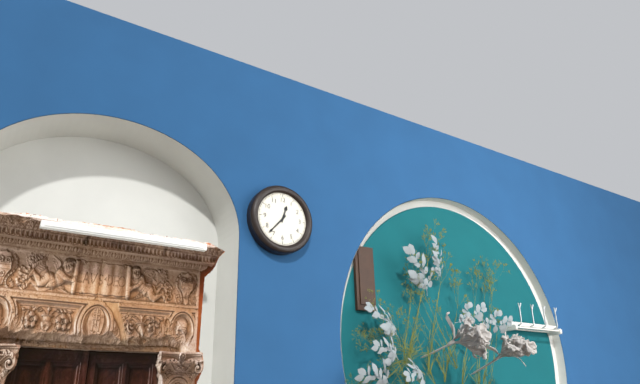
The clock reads 12,37
